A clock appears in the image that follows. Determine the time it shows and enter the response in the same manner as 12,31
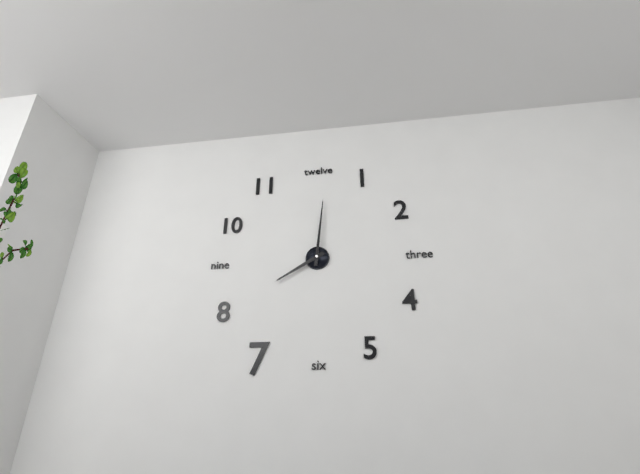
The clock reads 8,01
